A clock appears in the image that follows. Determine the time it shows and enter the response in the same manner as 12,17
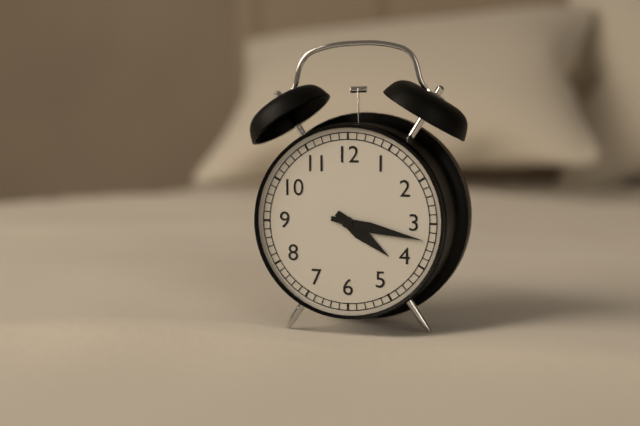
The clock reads 4,17
